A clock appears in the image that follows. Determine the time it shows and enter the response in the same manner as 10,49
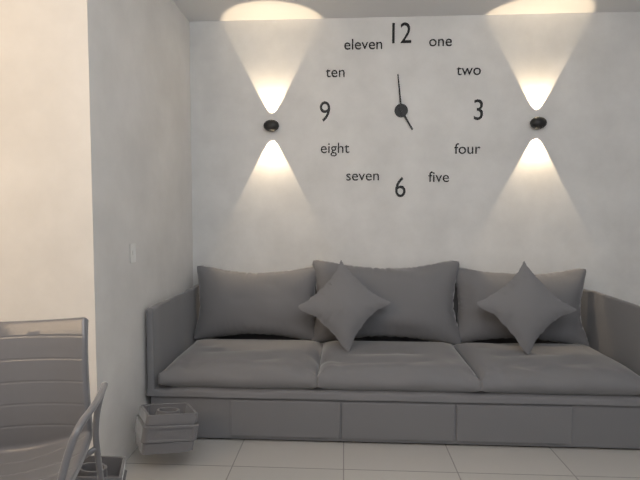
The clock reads 4,59
